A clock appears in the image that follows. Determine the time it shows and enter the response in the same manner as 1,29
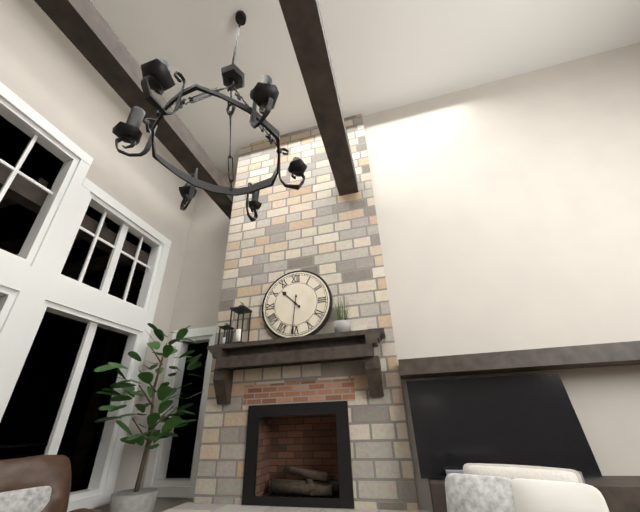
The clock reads 10,31
